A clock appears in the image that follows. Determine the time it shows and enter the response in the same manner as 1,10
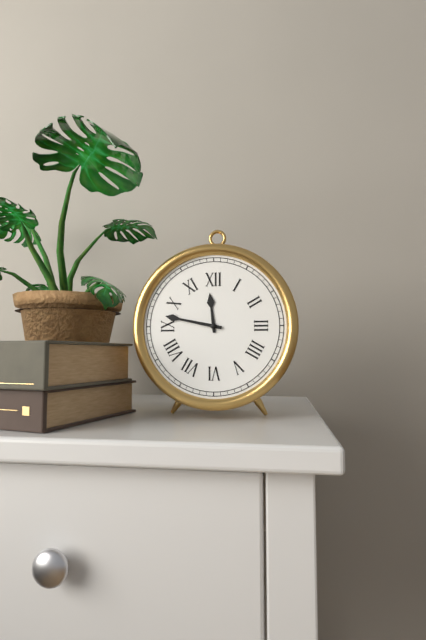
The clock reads 11,47
